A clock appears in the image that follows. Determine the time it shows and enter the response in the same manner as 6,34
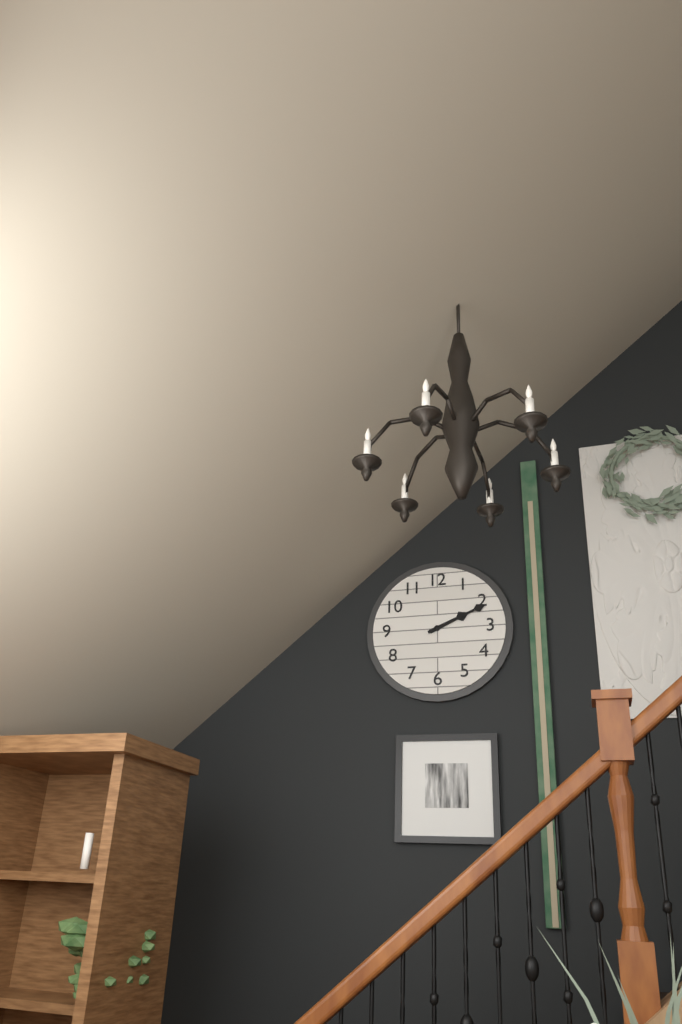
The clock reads 2,11
